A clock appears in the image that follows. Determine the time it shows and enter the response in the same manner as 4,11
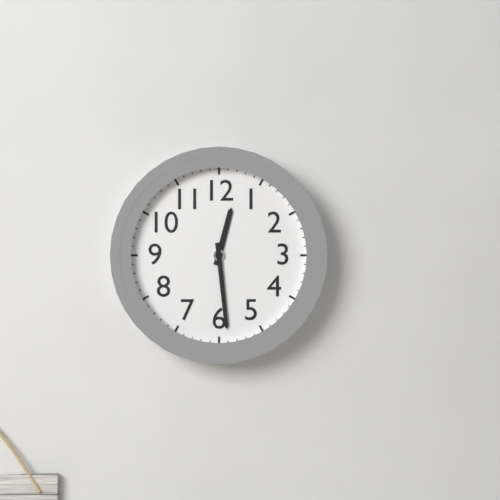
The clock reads 12,29
